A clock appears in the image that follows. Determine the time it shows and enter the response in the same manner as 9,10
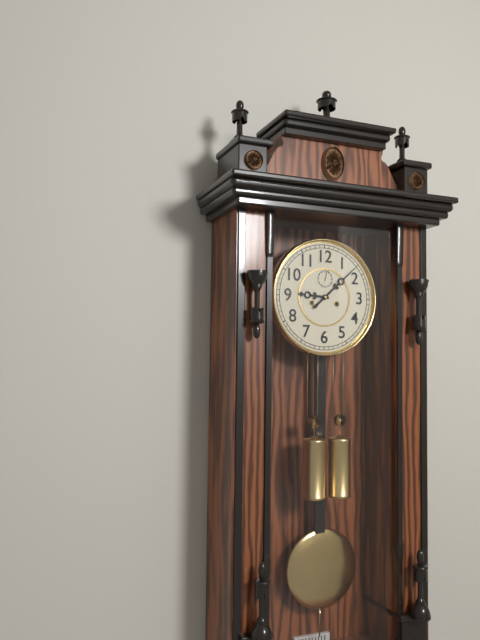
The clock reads 9,08
